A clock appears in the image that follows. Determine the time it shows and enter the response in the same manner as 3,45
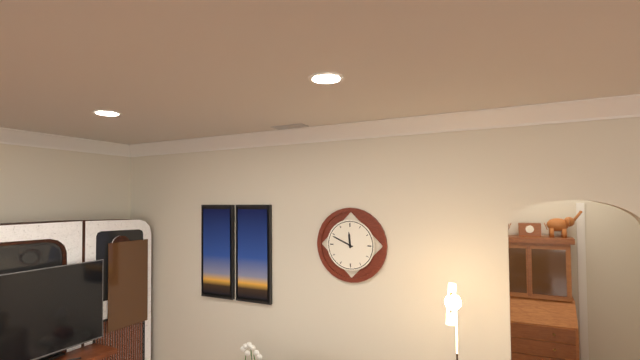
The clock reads 11,49
